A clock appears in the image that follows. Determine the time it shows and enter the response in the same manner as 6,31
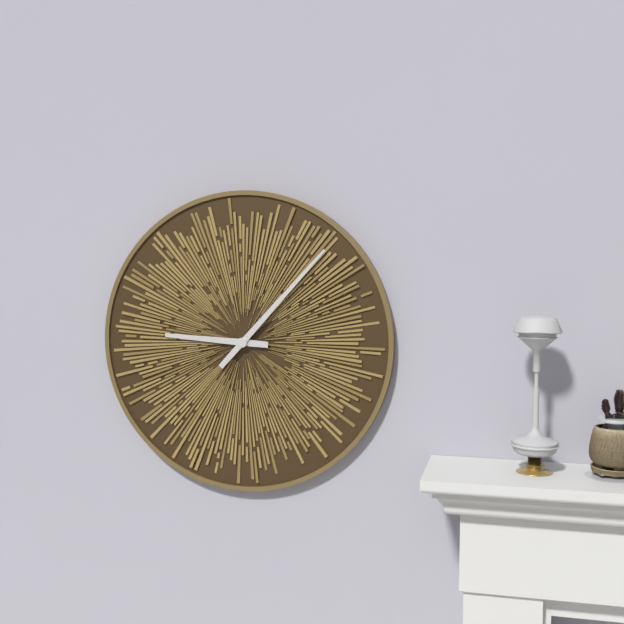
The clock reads 9,07
